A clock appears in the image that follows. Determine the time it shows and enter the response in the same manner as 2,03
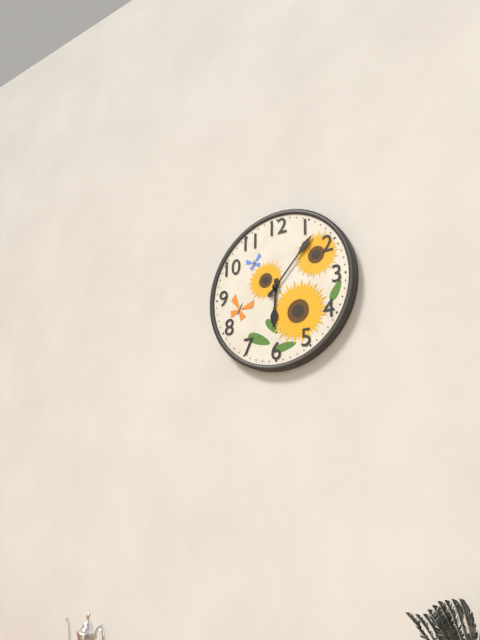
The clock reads 6,07
